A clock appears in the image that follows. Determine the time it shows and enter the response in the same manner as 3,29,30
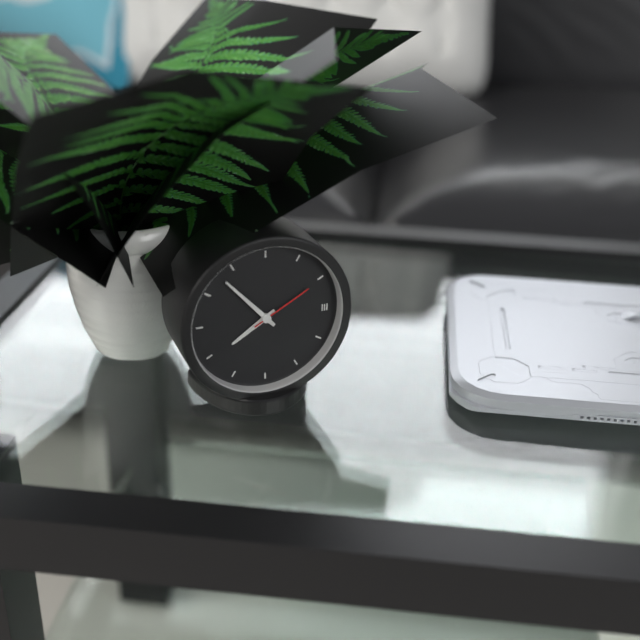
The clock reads 7,53,10
